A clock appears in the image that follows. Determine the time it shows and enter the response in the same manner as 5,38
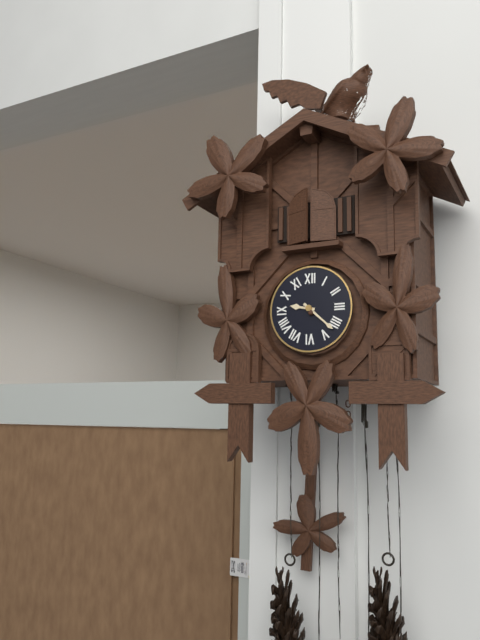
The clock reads 9,22
